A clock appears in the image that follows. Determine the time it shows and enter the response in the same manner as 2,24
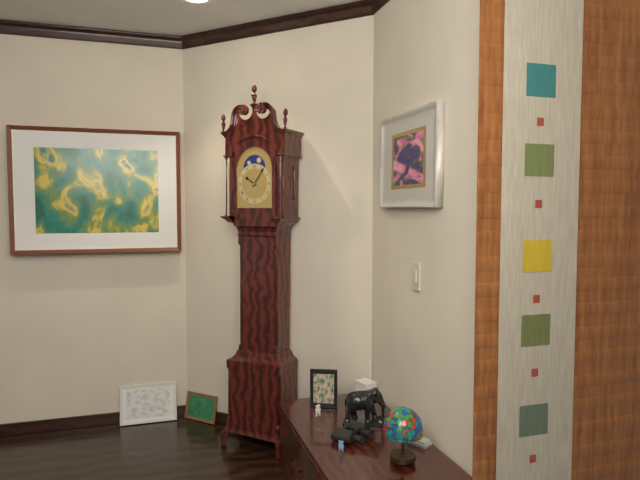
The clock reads 10,06
